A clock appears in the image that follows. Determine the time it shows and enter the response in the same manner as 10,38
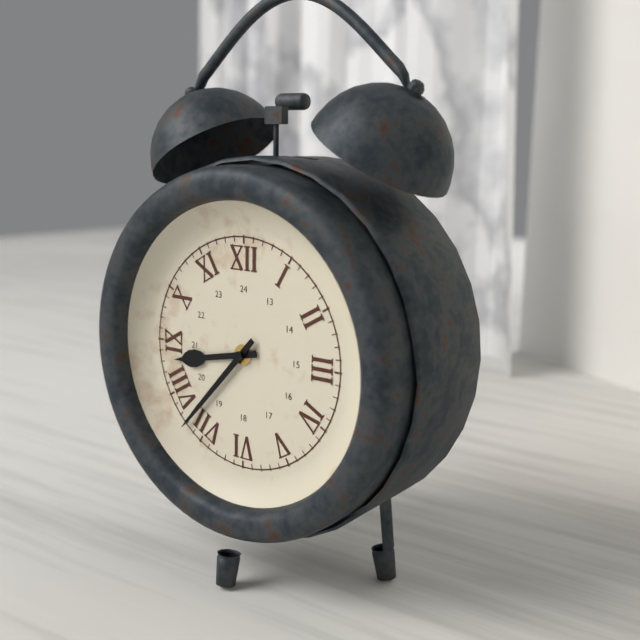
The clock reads 8,37
